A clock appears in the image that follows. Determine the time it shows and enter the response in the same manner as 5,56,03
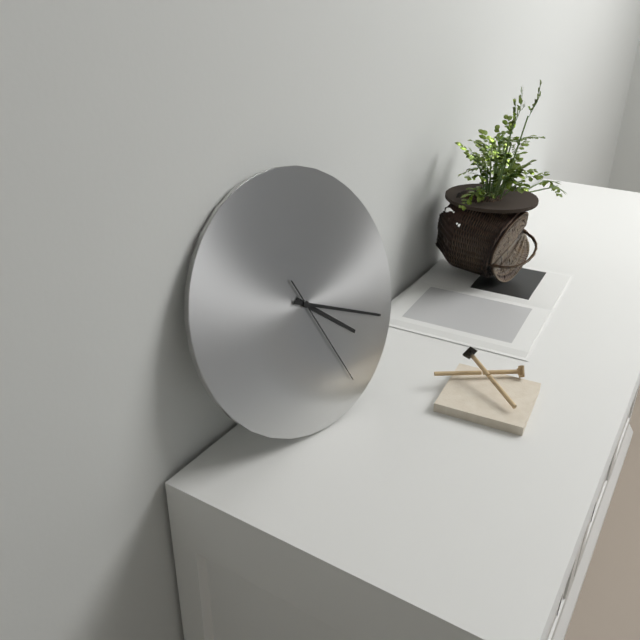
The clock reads 4,19,26
